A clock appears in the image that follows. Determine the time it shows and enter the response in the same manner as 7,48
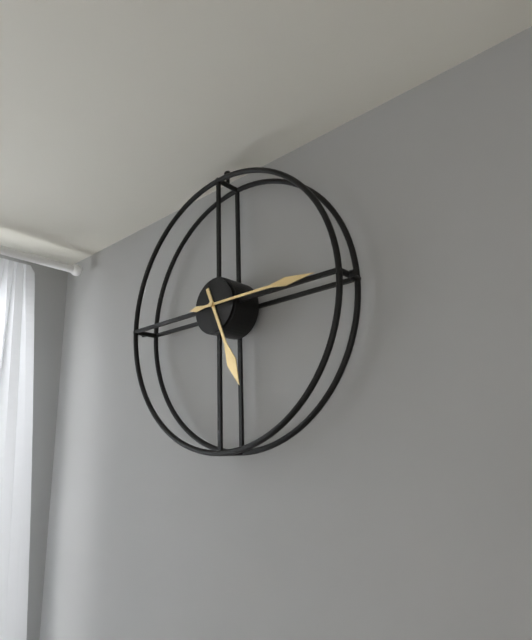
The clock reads 5,15
